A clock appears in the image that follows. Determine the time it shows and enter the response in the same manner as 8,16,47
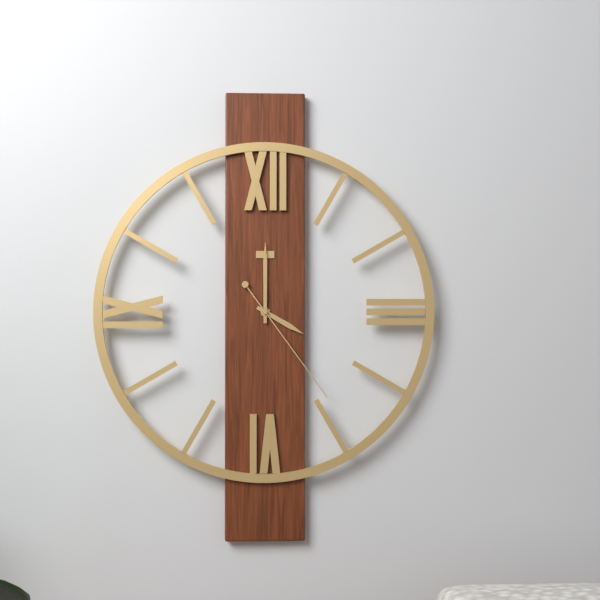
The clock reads 4,00,24
